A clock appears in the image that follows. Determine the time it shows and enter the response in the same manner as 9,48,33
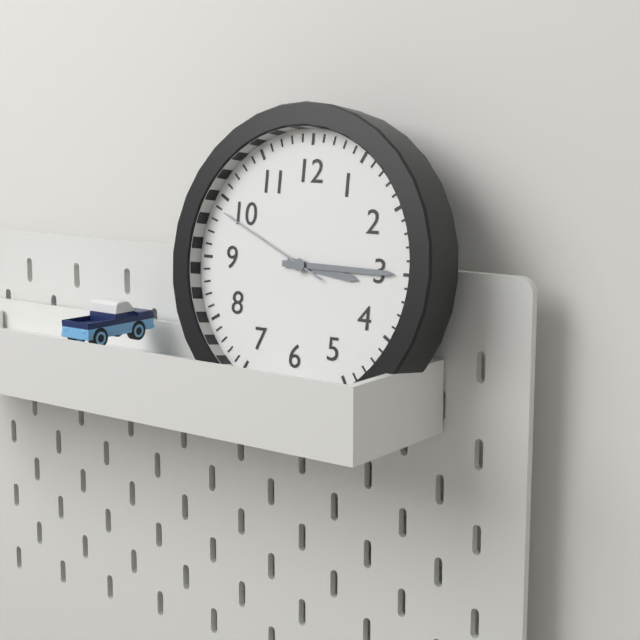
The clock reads 3,15,49
